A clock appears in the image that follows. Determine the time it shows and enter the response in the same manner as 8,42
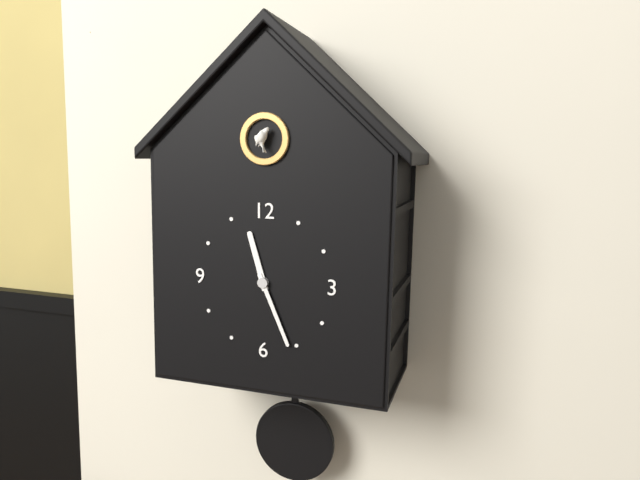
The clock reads 11,26
